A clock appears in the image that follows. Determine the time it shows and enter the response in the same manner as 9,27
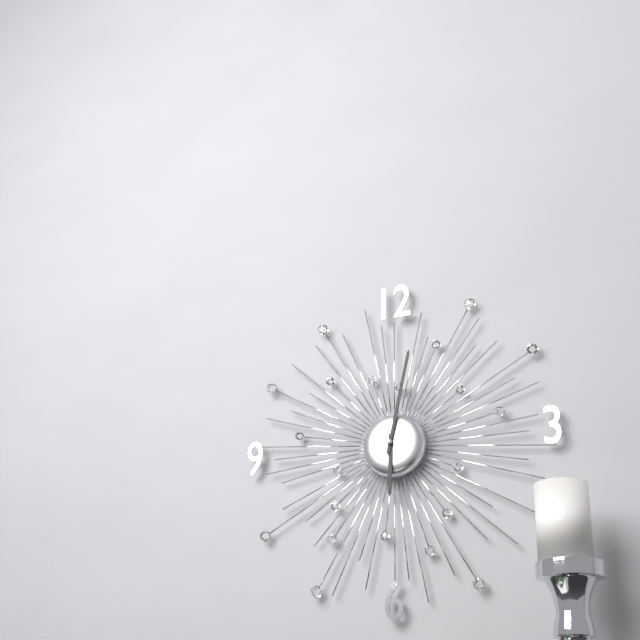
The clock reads 6,02
